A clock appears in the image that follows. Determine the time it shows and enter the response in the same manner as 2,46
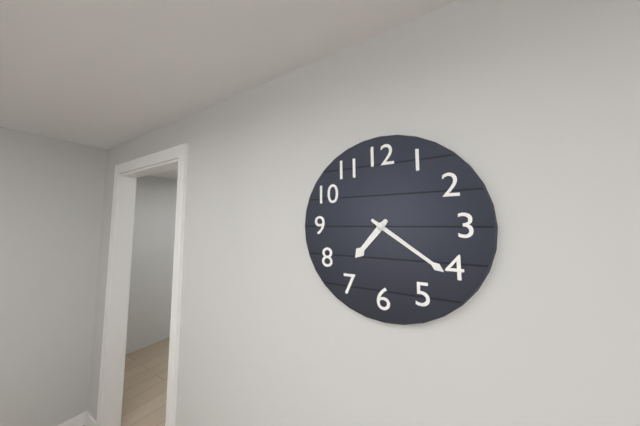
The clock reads 7,21
